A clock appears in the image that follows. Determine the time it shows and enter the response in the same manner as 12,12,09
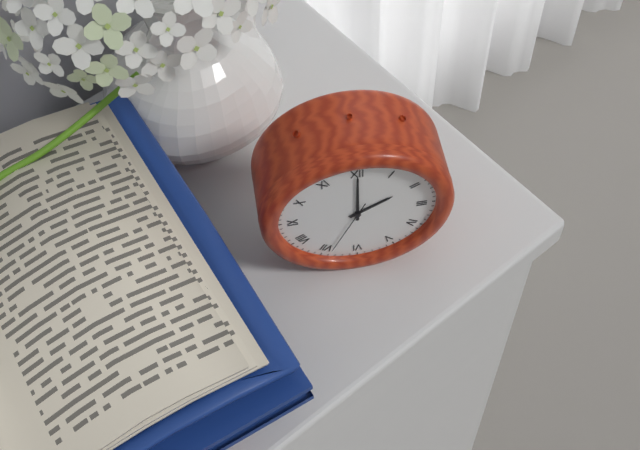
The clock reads 2,00,34
